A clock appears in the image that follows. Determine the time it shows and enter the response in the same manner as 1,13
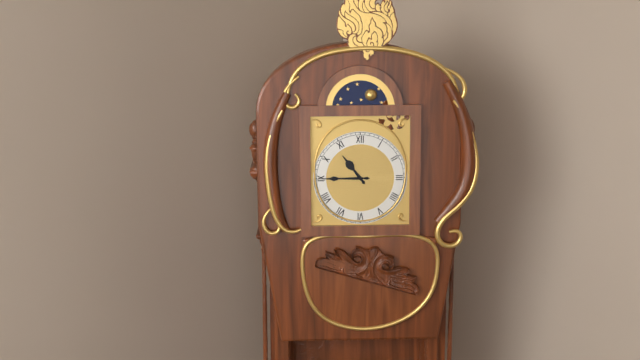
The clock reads 10,45
